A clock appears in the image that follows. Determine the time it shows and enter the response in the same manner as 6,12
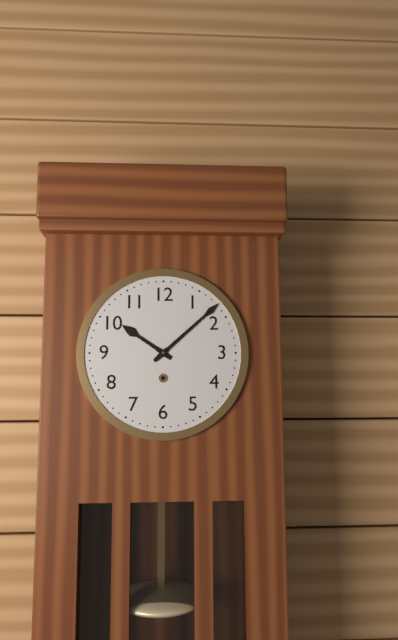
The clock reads 10,08
